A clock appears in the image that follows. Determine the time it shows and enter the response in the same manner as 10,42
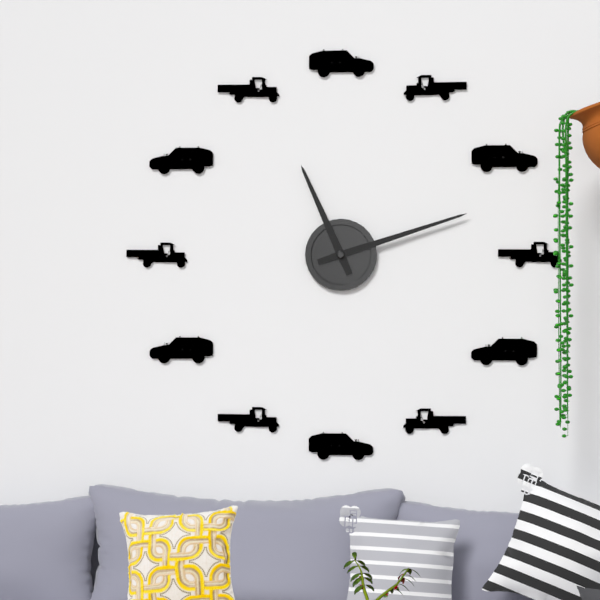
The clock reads 11,12
